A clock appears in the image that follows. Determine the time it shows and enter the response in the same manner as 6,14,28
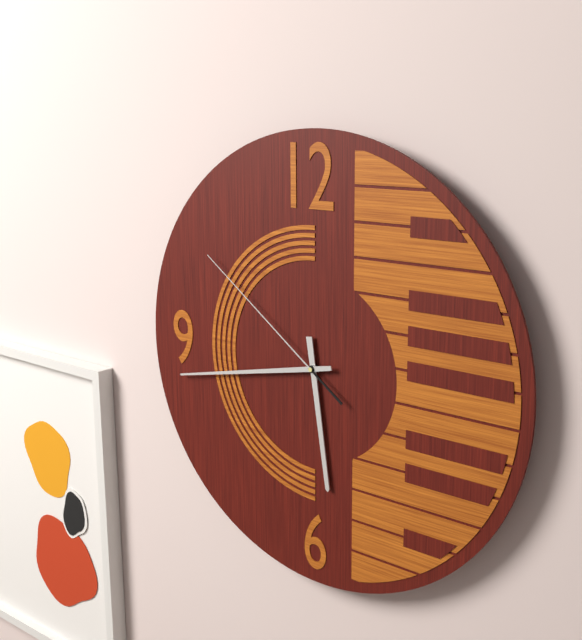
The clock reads 5,43,51
